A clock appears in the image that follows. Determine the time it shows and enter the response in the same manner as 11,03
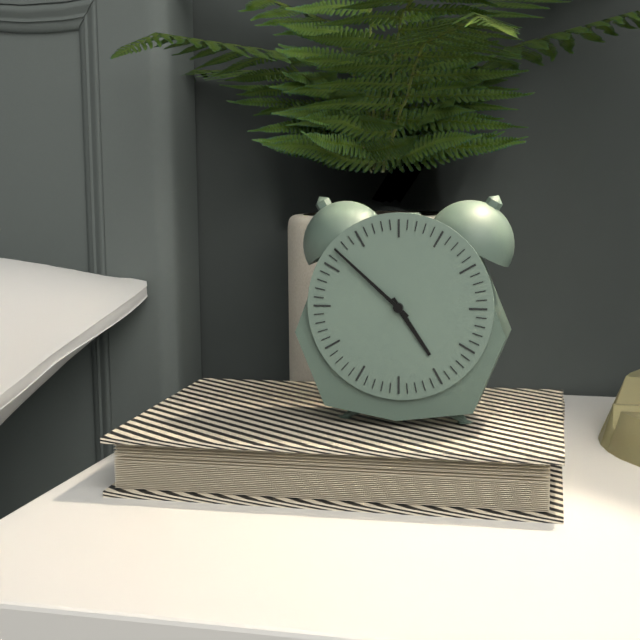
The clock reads 4,52
